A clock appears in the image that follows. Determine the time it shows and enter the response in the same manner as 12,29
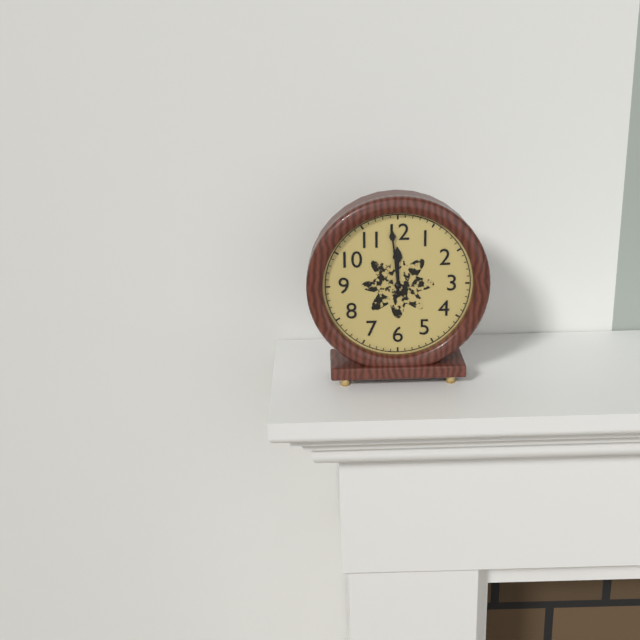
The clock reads 11,59
